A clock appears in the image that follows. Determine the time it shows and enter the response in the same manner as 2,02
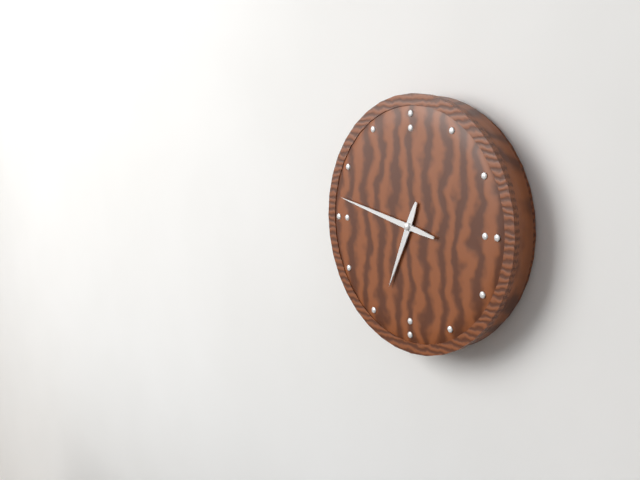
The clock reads 6,47
